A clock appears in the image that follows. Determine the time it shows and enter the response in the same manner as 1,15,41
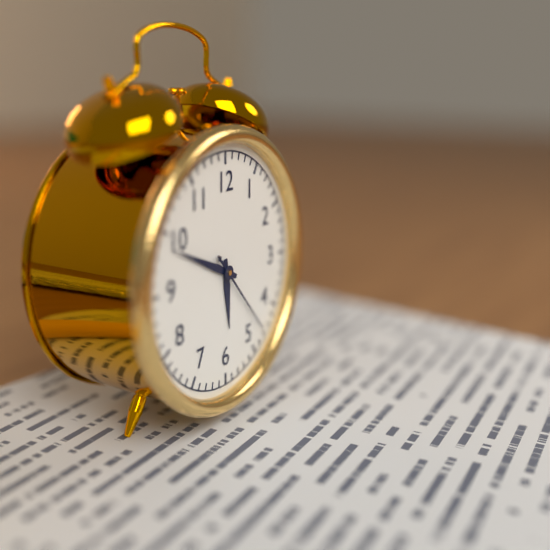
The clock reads 5,49,23
